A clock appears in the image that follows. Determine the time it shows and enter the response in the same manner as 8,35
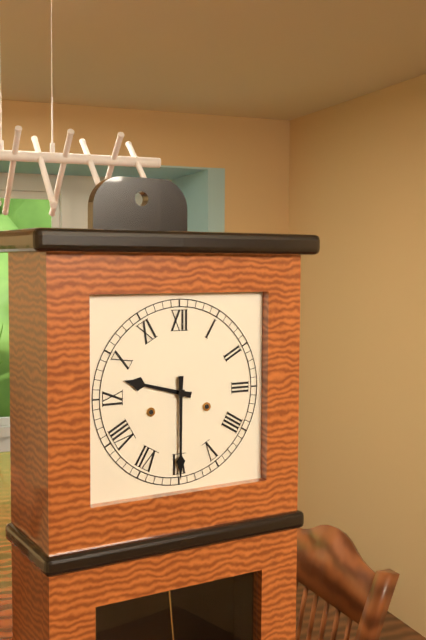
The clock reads 9,30
